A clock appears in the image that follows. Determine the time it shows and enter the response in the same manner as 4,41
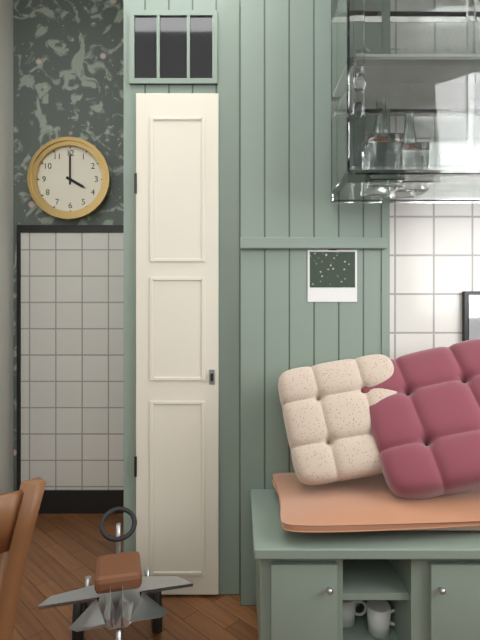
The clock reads 4,00
